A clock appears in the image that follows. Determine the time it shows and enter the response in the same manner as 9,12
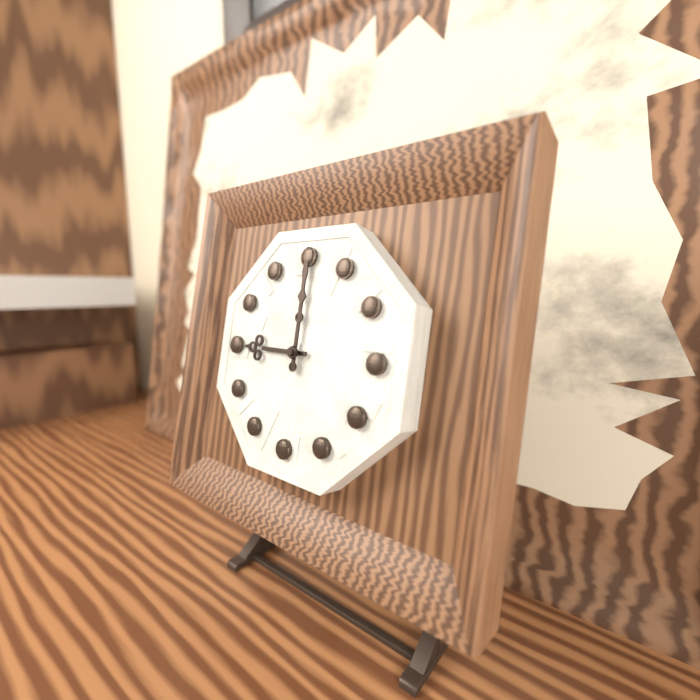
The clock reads 9,00
